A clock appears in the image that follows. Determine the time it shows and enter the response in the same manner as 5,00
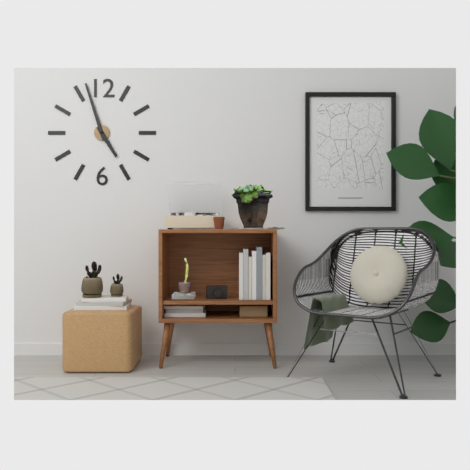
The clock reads 4,57
